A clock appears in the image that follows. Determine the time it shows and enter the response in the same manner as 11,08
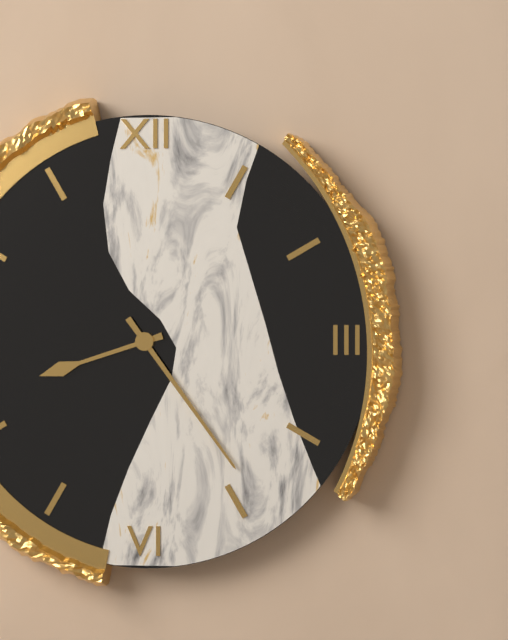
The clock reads 8,24
